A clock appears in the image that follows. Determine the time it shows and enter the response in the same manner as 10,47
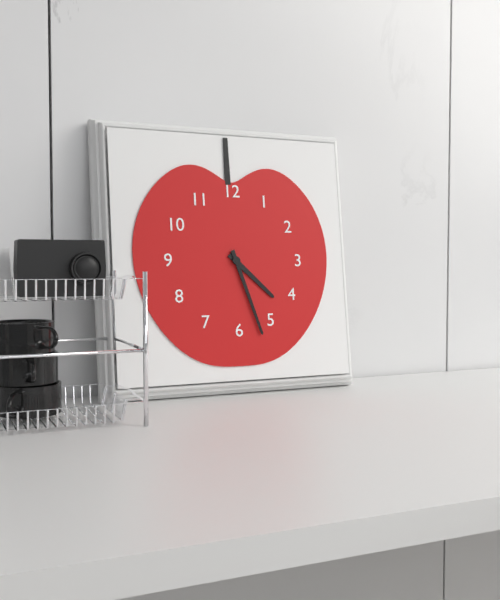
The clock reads 4,27
